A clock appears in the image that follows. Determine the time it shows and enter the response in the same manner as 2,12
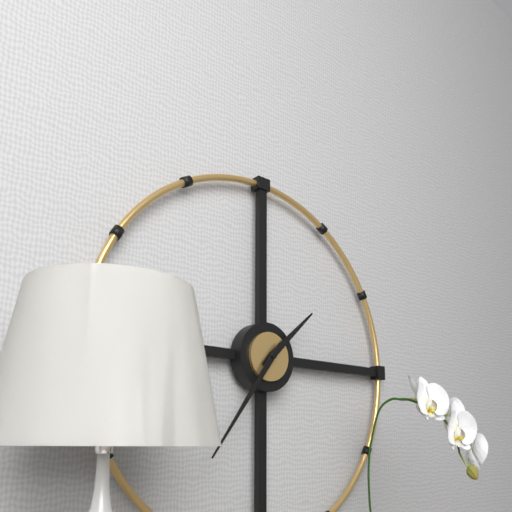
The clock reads 1,36
